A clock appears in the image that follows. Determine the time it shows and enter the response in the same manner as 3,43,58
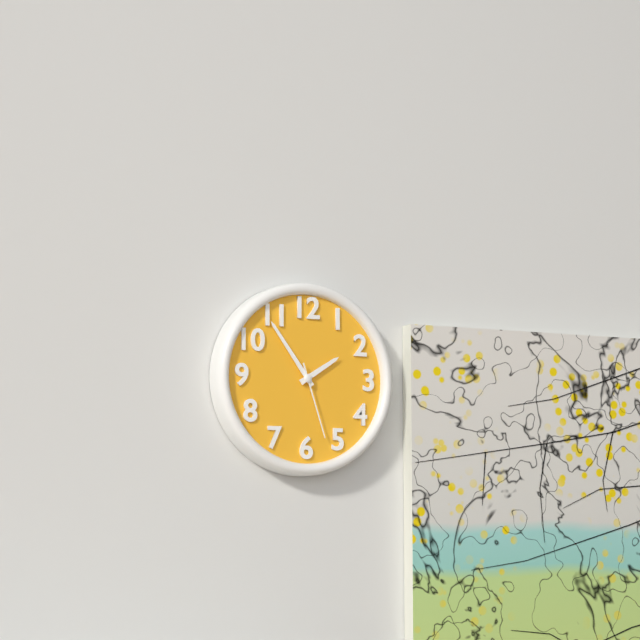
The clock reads 1,54,27
